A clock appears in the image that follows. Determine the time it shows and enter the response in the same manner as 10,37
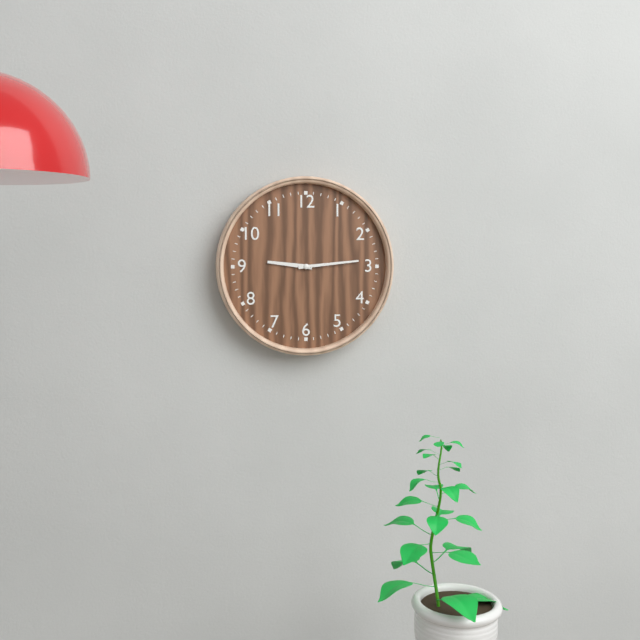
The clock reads 9,14
